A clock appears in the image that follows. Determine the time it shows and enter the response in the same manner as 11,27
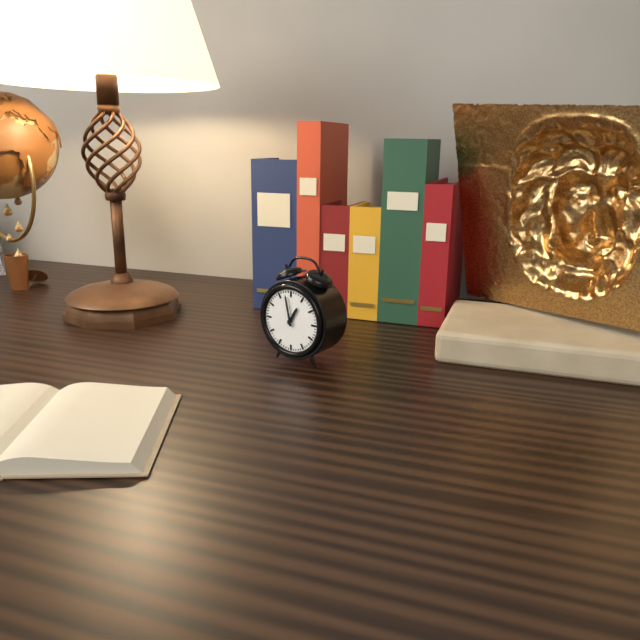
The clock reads 12,58
